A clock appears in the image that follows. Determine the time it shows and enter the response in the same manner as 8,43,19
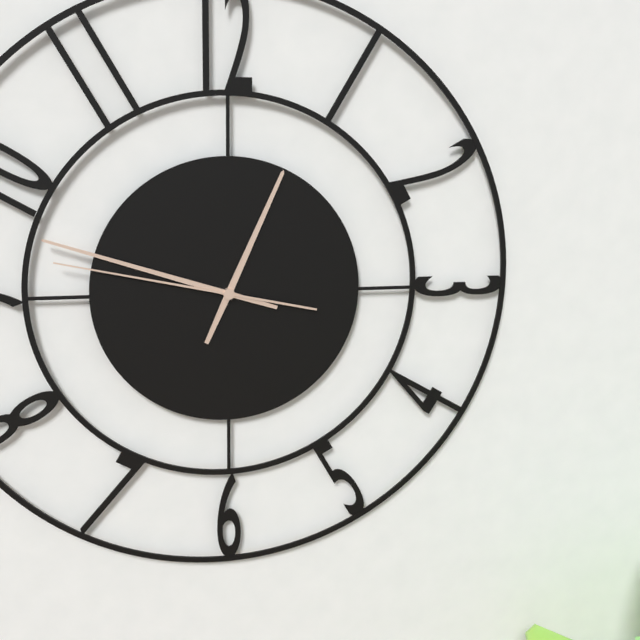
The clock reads 12,48,47
